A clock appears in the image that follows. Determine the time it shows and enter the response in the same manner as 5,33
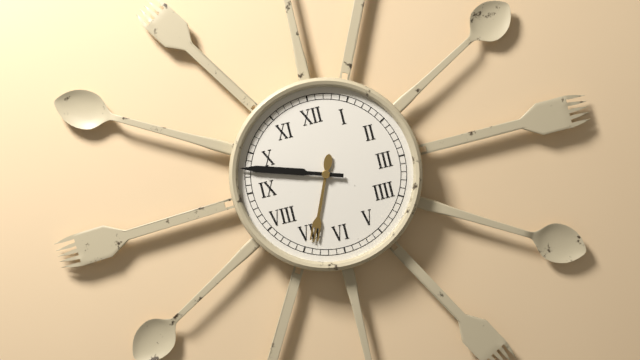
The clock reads 6,48
